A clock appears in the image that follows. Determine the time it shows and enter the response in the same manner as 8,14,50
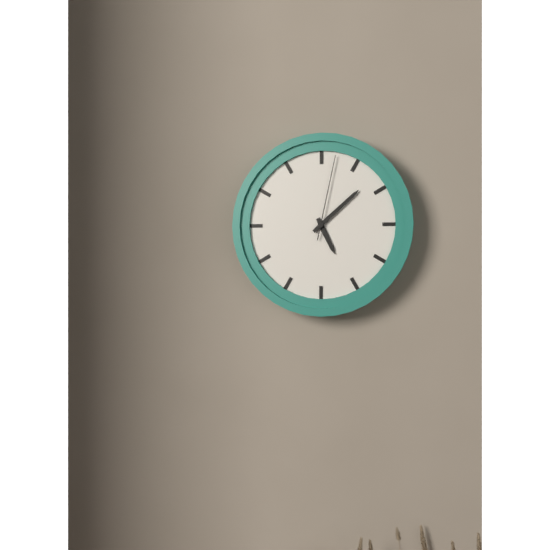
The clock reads 5,08,02
